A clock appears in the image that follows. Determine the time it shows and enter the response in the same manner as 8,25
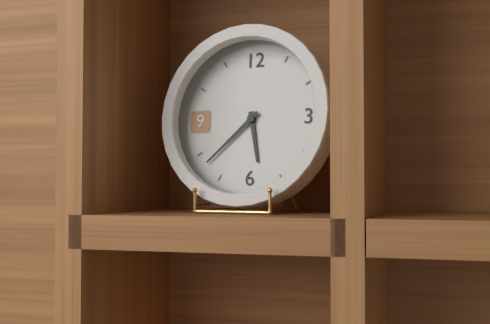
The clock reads 5,38
